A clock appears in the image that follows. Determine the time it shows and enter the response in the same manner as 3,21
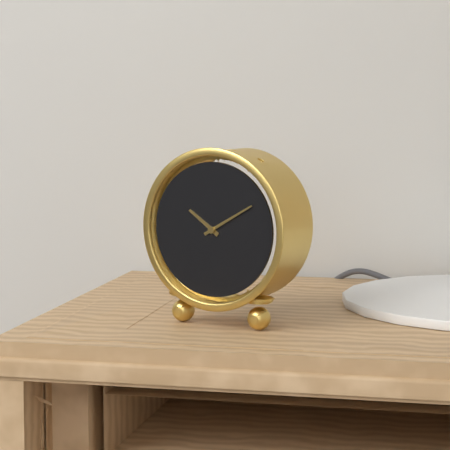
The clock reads 10,10
